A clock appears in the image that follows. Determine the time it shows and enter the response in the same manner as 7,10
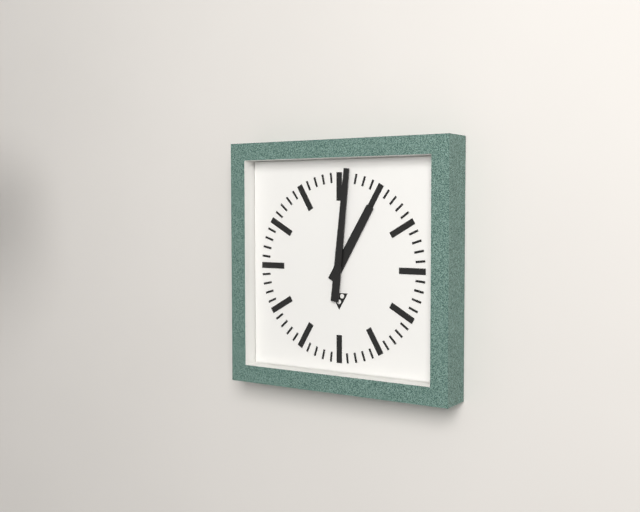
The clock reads 1,01
